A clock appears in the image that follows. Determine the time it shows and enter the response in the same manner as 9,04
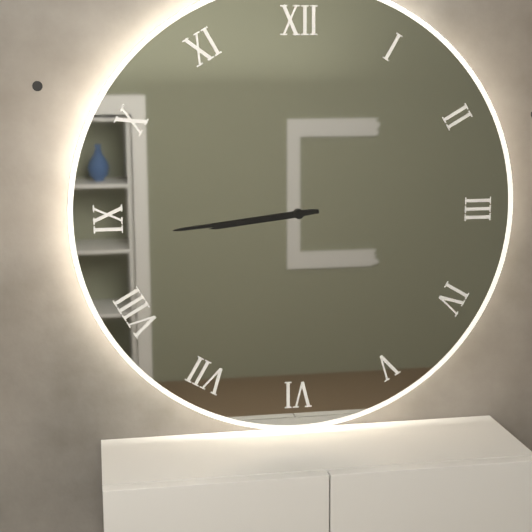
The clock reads 8,44
